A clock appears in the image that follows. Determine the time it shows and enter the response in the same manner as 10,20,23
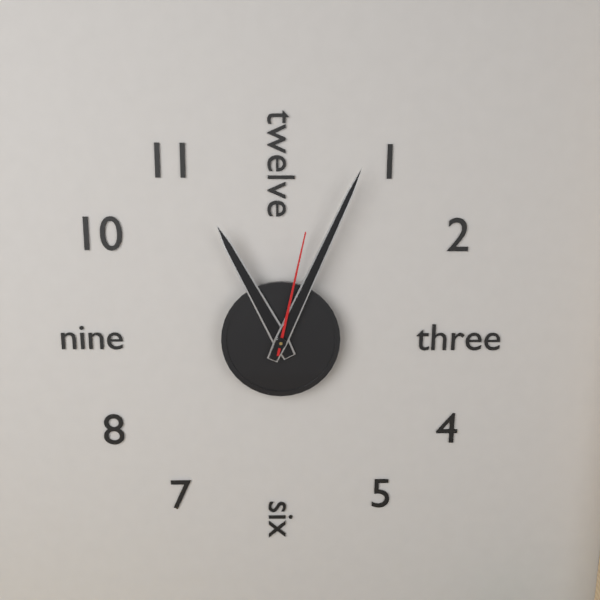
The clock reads 11,04,02
